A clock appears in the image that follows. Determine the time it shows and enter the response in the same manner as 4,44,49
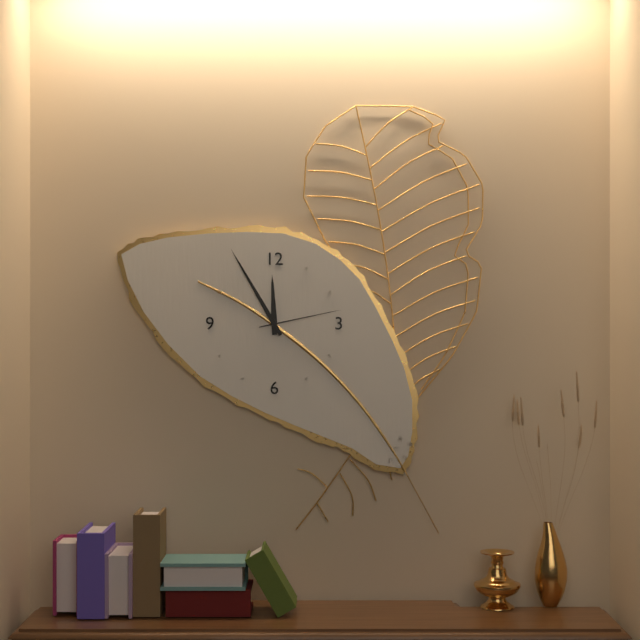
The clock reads 11,55,13
